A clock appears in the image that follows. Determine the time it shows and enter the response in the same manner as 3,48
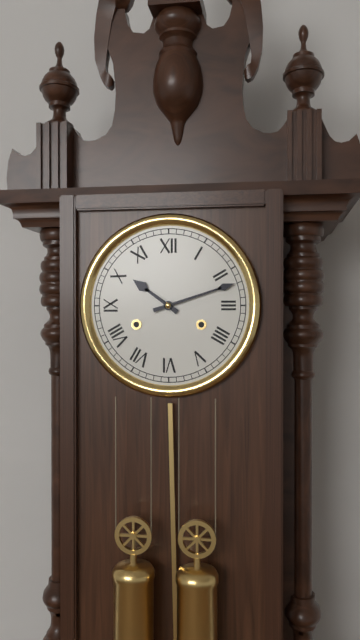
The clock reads 10,12
